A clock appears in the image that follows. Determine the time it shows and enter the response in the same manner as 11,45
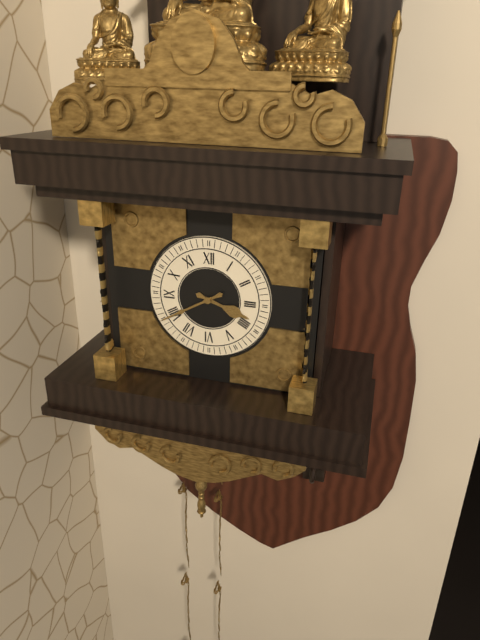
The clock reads 3,40
